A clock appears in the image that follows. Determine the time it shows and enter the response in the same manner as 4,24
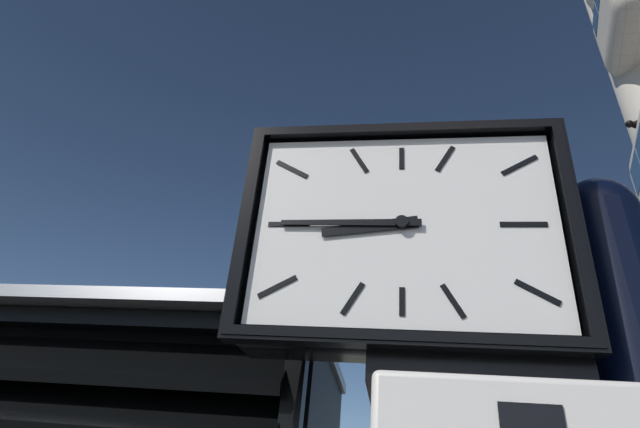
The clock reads 8,45
